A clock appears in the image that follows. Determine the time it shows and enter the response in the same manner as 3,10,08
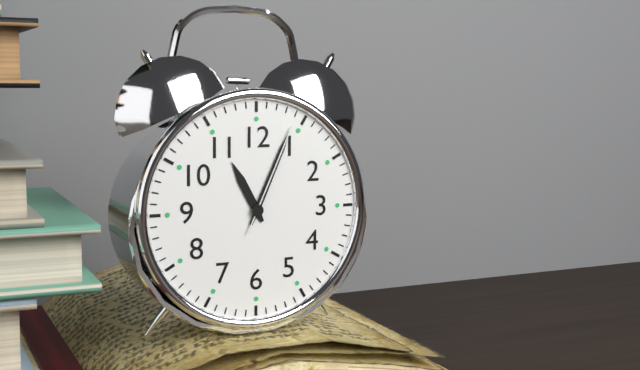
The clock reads 11,04,04
